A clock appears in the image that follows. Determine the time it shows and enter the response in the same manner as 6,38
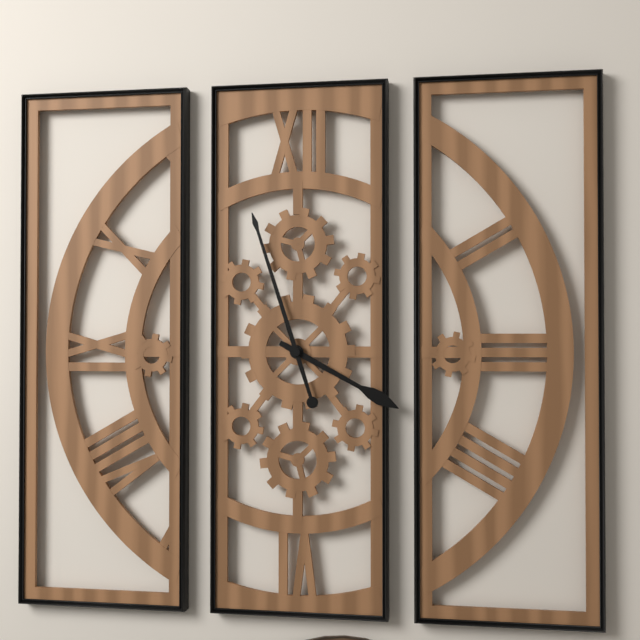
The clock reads 3,57
